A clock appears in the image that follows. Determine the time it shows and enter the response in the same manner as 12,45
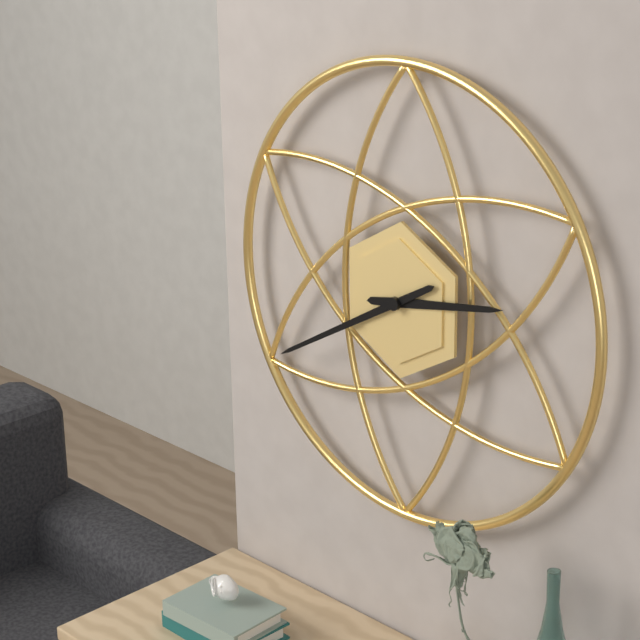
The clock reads 2,40
